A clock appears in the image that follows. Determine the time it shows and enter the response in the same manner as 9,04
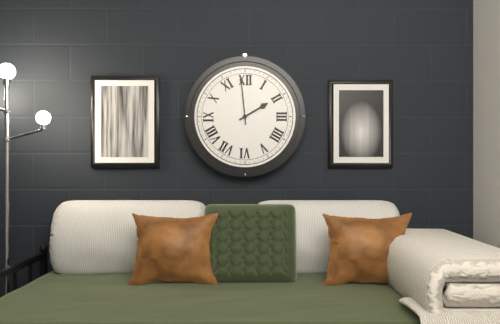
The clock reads 1,59
